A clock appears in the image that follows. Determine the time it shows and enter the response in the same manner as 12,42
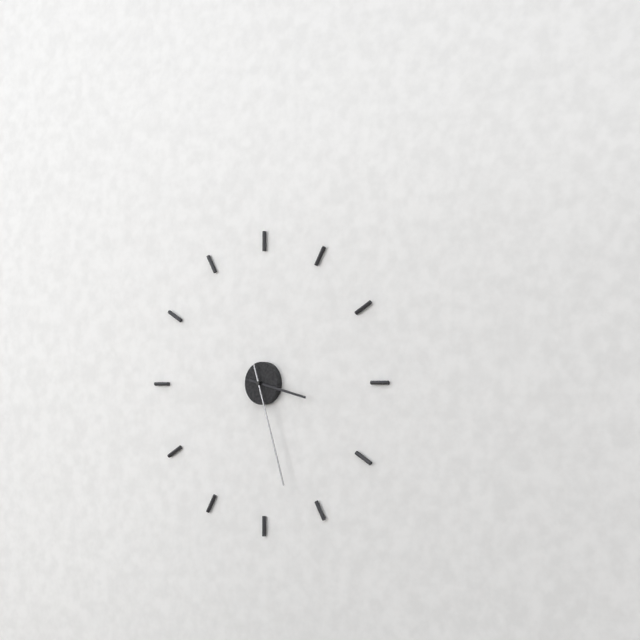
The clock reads 3,27
